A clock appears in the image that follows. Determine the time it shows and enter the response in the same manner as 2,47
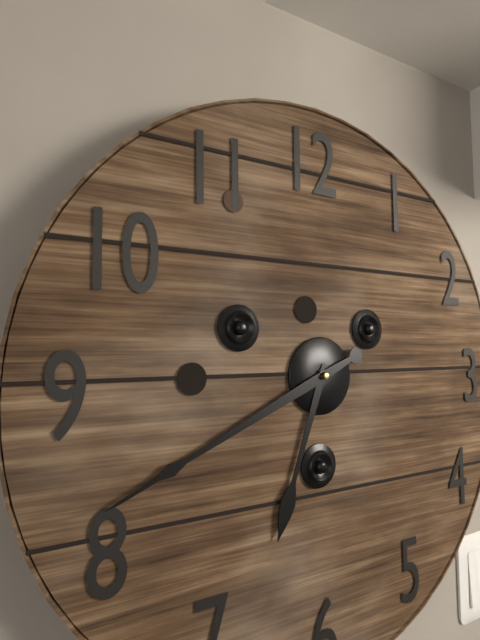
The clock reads 6,41
